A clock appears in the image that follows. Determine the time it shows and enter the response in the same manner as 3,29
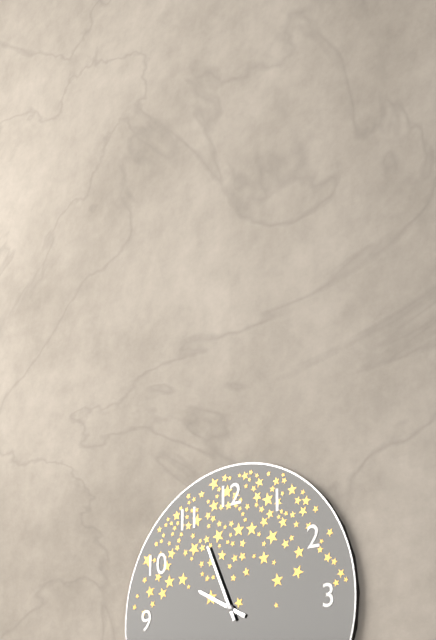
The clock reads 9,56
